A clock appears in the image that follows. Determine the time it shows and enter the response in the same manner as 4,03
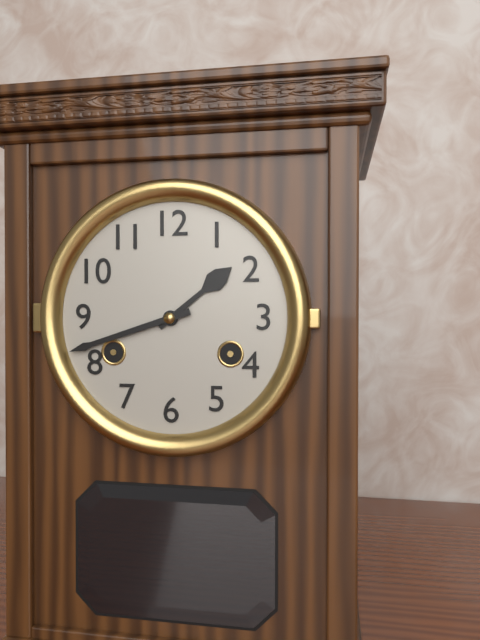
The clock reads 1,42
